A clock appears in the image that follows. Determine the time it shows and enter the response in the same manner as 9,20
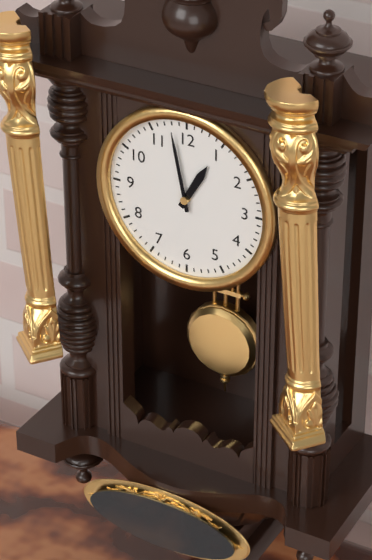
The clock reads 12,58
